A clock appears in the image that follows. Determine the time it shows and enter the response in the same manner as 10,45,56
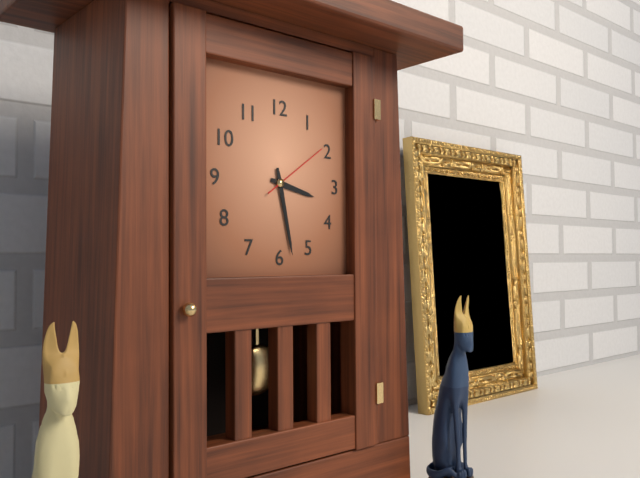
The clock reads 3,28,09
